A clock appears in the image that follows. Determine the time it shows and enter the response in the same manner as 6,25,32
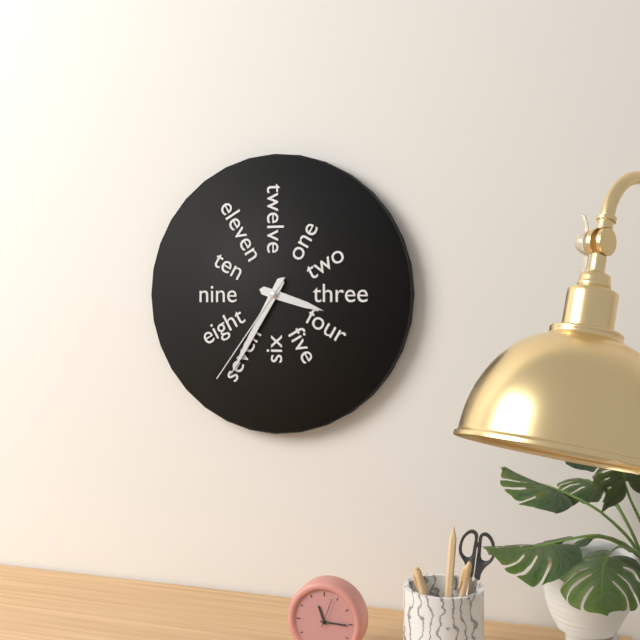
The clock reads 3,35,36
